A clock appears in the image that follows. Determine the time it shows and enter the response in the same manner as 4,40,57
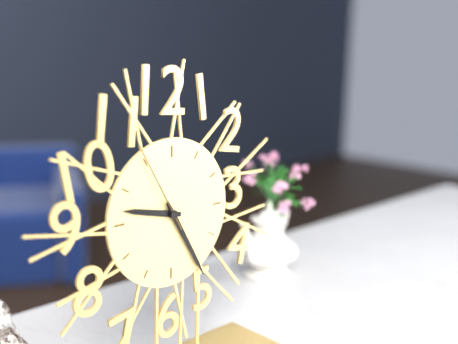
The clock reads 9,25,55
